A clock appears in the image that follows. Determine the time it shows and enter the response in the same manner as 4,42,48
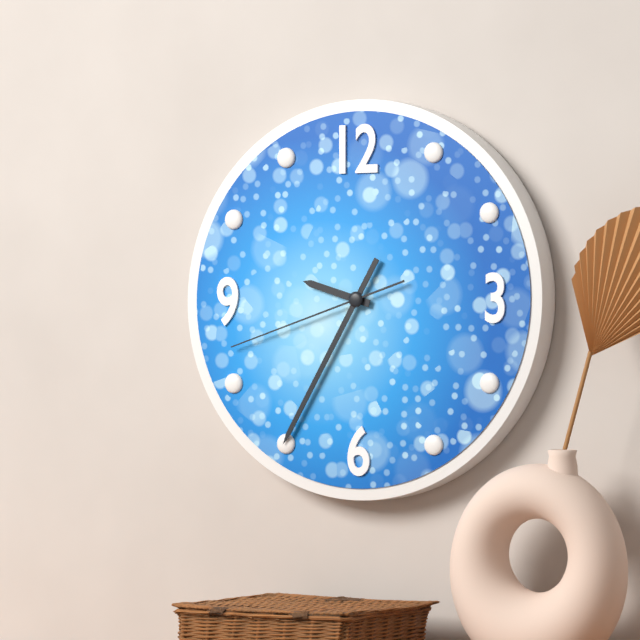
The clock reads 9,35,42
